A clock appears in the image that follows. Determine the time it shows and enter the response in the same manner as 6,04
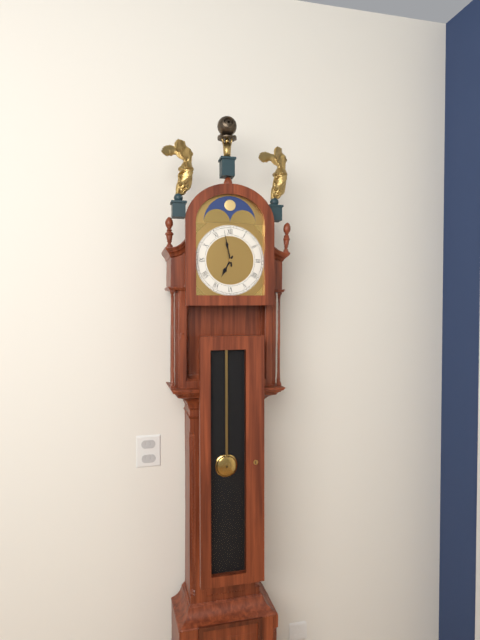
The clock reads 6,58
